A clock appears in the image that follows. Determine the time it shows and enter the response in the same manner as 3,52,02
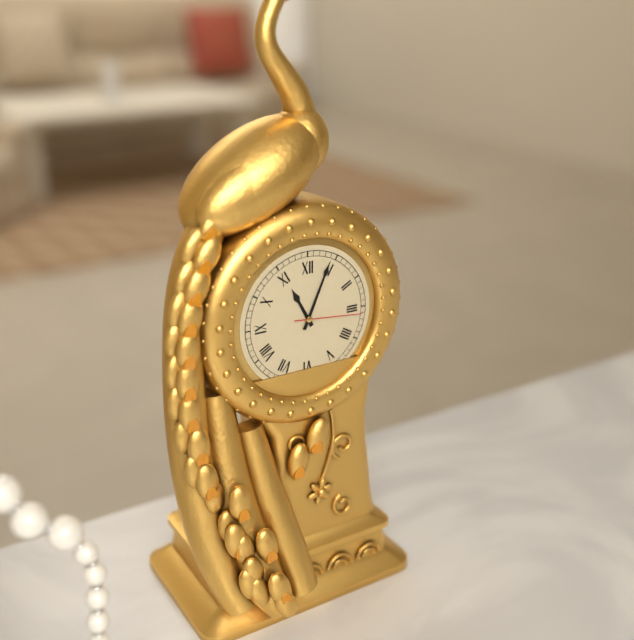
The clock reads 11,04,16
